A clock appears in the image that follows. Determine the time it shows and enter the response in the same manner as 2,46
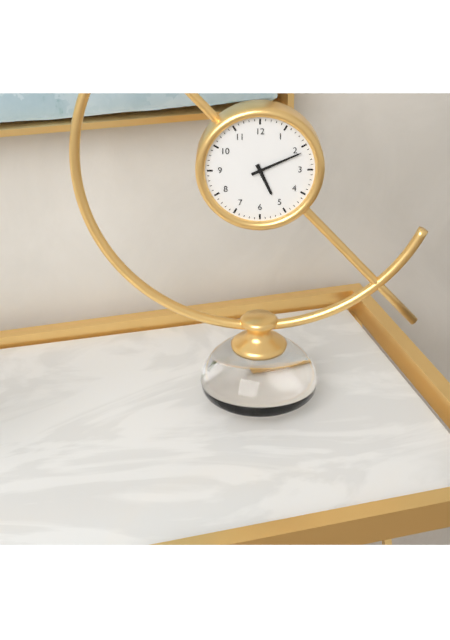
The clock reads 5,11
